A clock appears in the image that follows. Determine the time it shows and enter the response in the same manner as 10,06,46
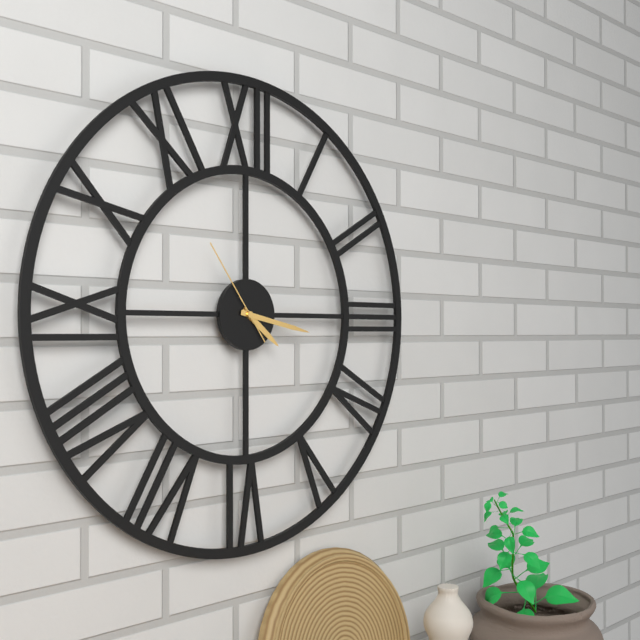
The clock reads 4,17,54
